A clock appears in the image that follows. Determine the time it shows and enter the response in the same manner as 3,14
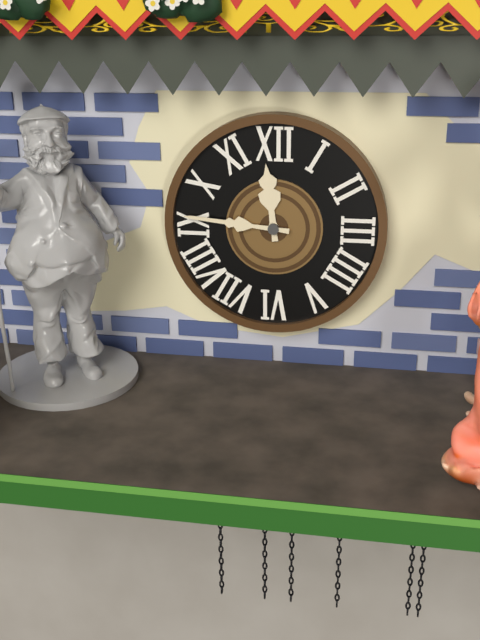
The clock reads 11,46
